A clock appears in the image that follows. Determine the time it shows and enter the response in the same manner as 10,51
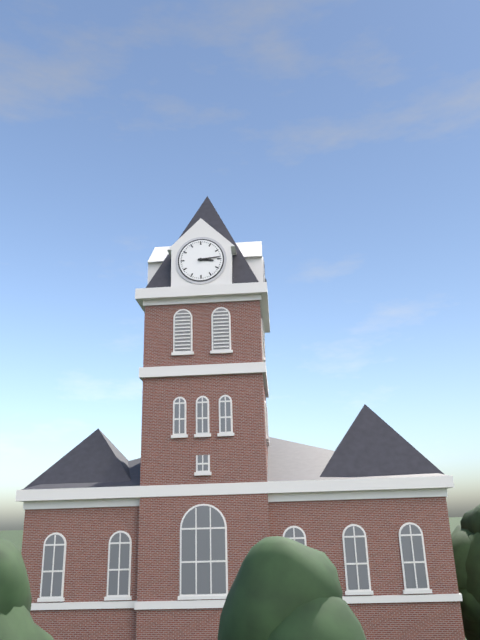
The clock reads 3,14
